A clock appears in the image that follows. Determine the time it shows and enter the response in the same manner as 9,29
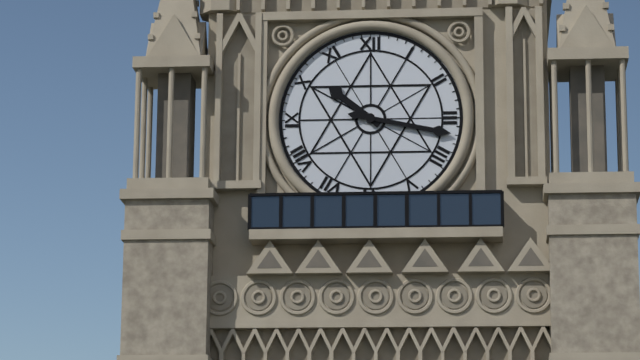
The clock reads 10,17
